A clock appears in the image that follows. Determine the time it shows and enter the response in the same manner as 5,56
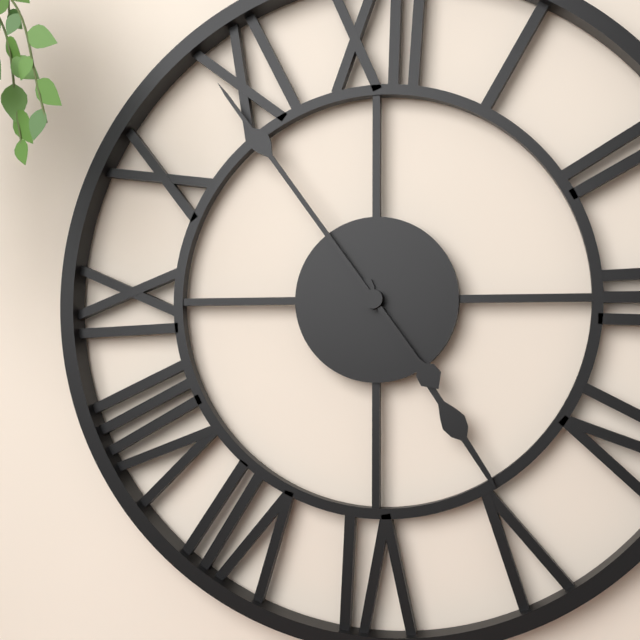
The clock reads 4,54
